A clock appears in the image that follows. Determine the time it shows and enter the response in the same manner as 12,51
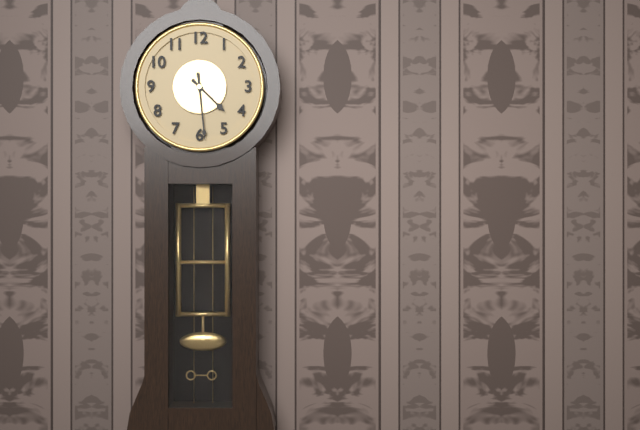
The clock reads 4,29
